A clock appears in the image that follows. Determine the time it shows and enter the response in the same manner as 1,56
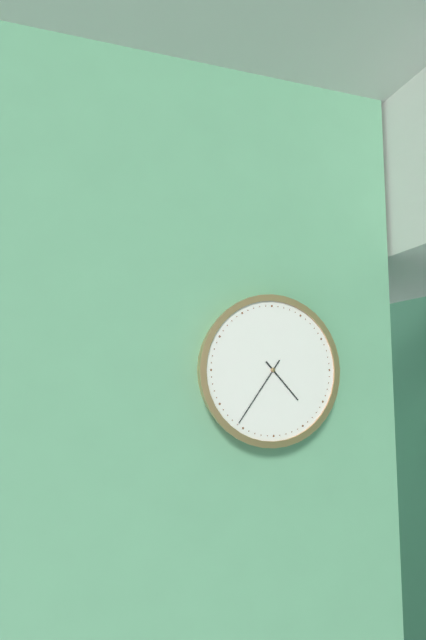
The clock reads 4,36
